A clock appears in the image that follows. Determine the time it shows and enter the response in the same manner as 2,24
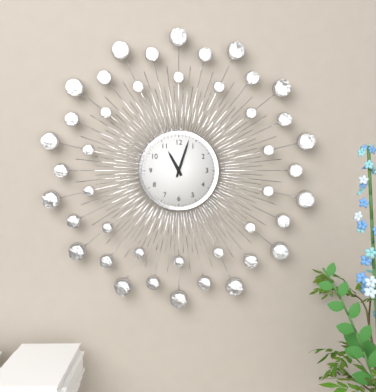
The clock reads 11,03
